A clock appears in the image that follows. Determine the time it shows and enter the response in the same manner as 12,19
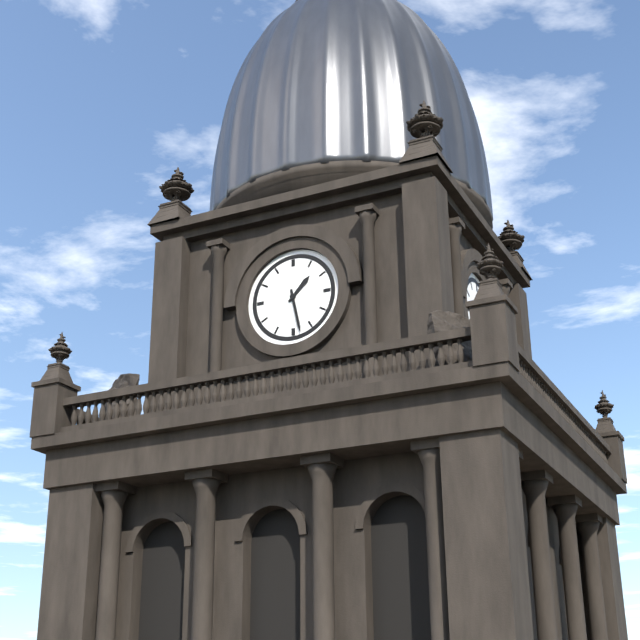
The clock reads 1,28
